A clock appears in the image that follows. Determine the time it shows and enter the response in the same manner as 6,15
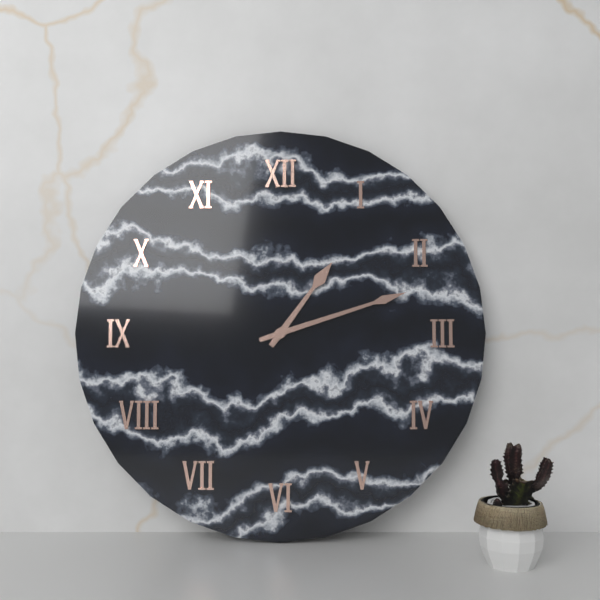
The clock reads 1,12
